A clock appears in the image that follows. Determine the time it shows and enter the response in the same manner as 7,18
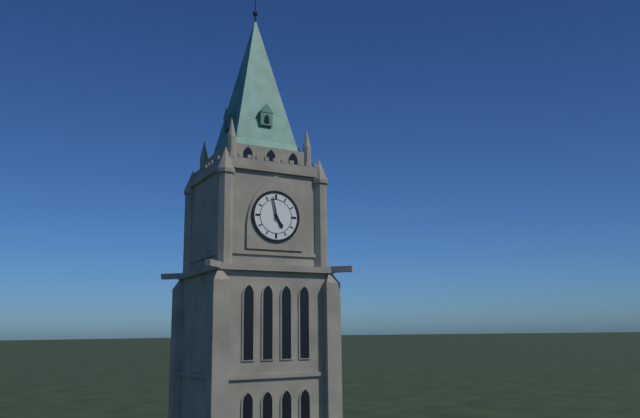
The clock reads 4,58
